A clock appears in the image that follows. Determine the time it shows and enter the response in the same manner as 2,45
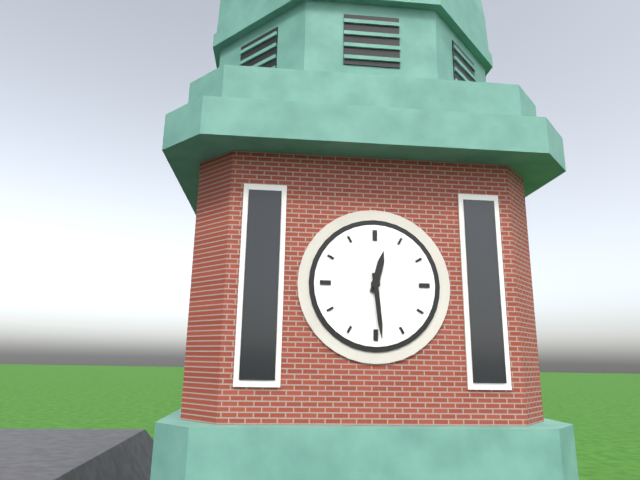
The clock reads 12,29
